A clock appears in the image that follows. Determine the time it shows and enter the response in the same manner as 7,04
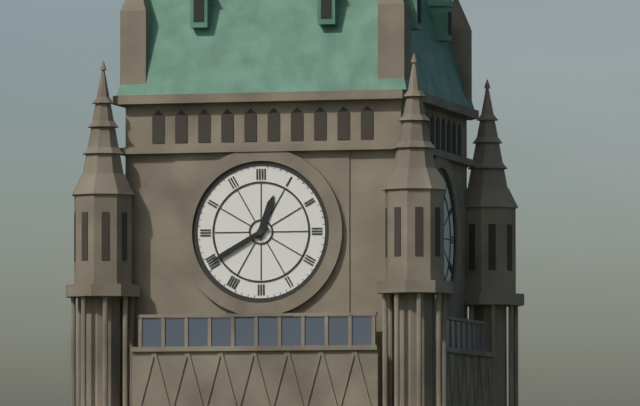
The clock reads 12,40
